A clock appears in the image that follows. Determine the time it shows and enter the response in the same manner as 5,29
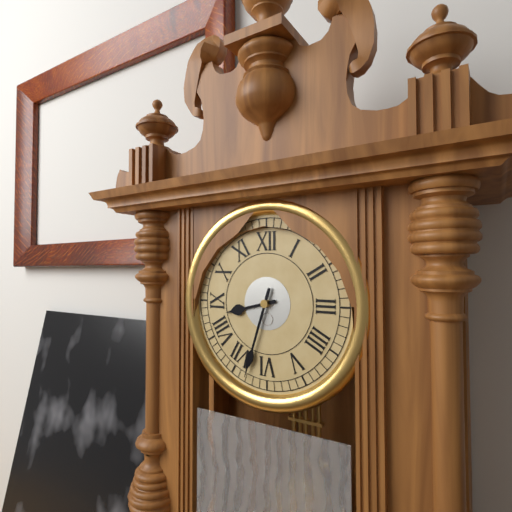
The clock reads 8,33
